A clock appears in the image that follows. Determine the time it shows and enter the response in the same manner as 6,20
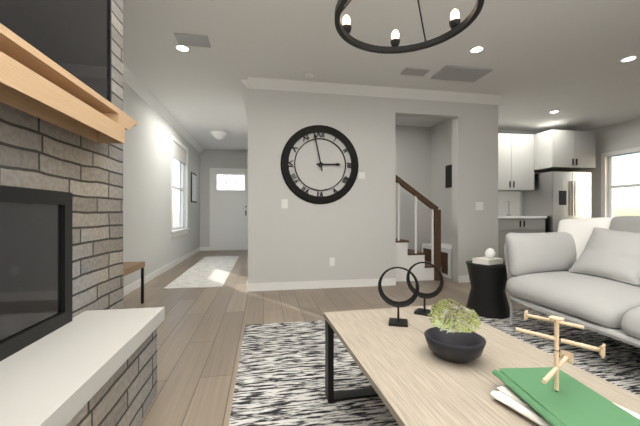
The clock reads 2,58
